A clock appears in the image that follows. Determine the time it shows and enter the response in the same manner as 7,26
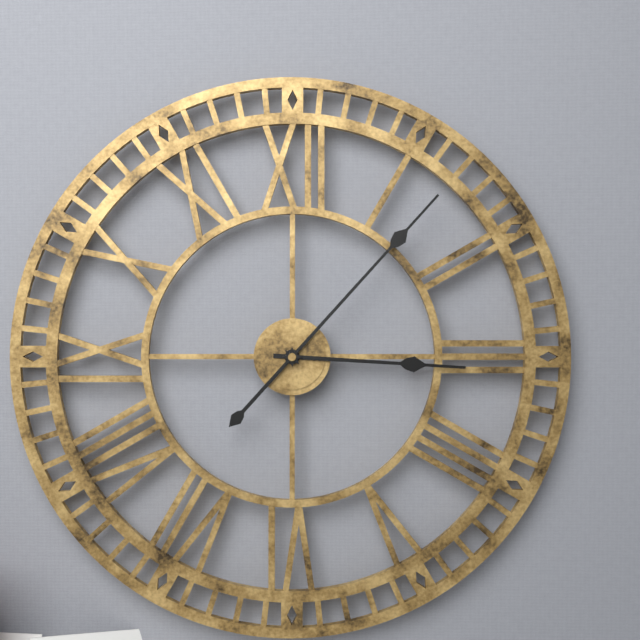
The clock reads 3,07
